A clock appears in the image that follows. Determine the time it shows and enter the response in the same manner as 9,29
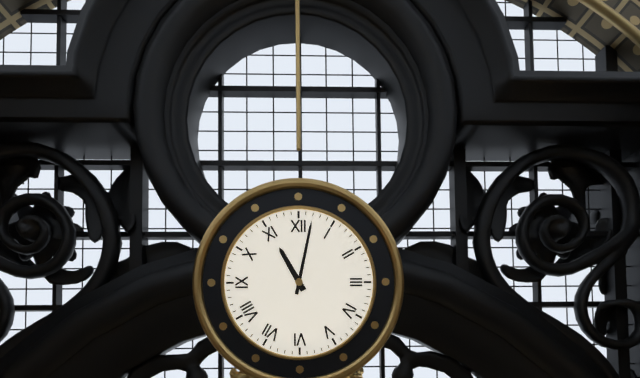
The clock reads 11,02
